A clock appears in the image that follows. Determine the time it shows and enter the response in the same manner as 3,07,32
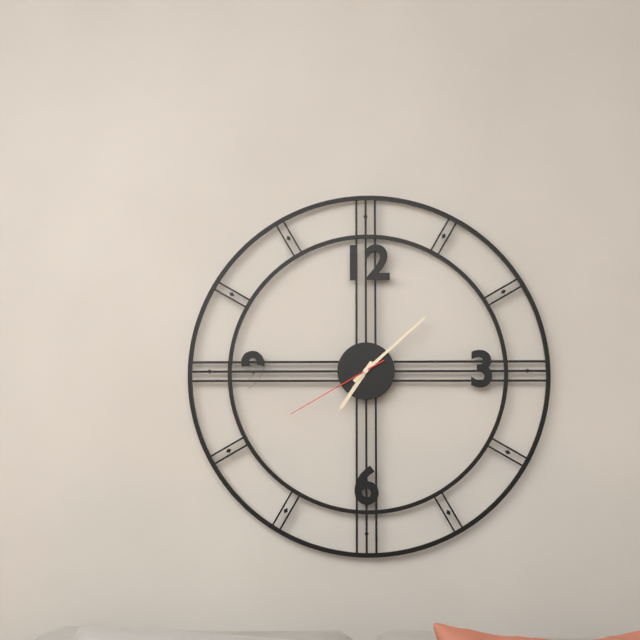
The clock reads 7,08,40
